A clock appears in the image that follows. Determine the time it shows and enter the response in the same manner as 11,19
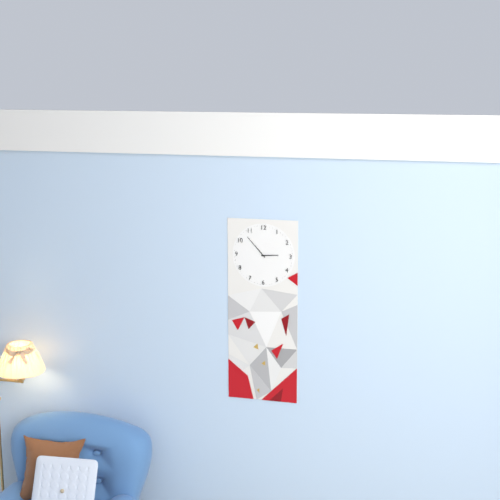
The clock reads 2,53
